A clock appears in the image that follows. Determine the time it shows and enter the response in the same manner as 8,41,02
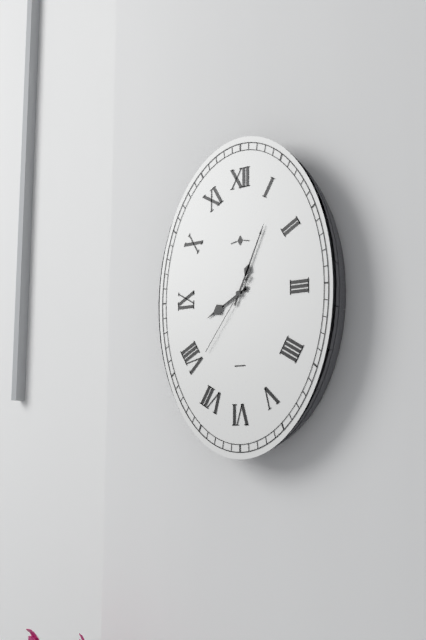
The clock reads 8,04,36
